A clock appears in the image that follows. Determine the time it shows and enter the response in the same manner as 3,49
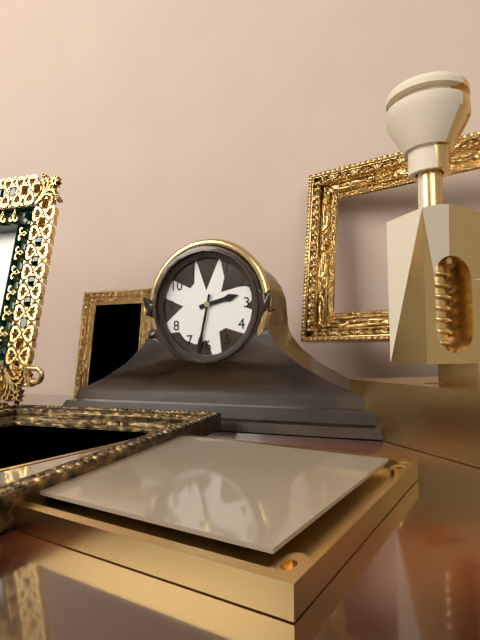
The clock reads 2,32
